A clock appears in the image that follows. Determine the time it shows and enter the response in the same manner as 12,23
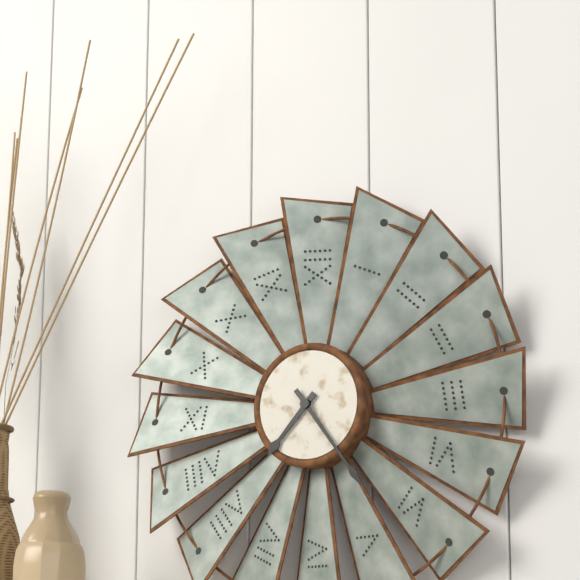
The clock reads 7,24
